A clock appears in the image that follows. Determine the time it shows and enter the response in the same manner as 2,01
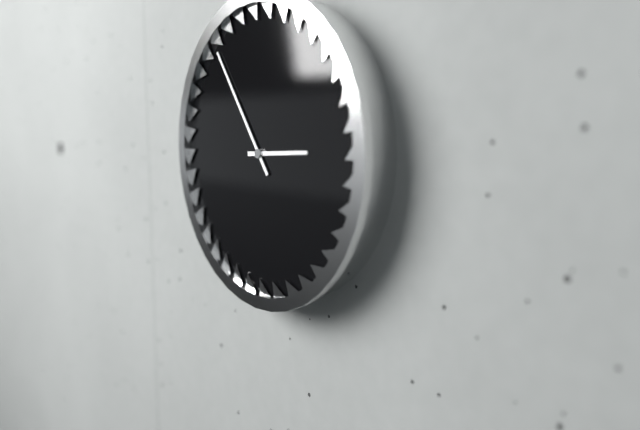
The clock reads 2,54
